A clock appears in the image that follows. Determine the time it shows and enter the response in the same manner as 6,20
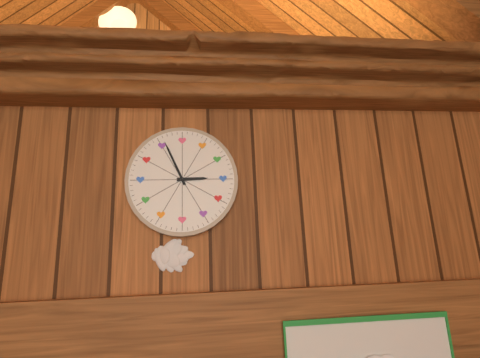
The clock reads 2,56
